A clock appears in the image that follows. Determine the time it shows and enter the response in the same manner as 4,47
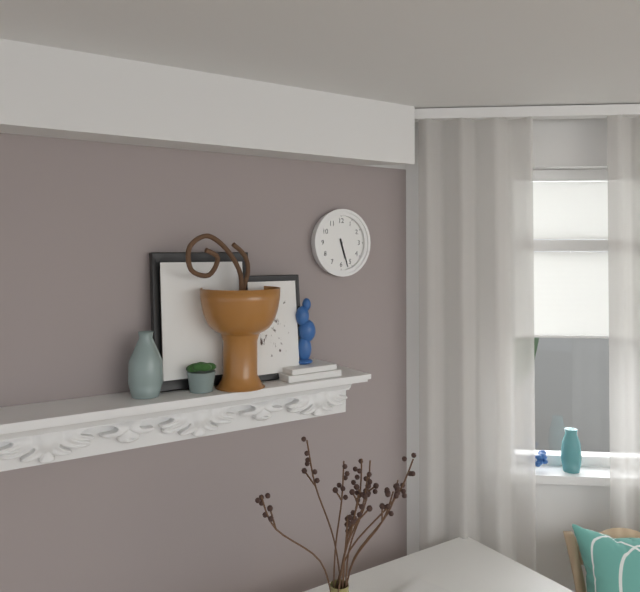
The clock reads 5,27
